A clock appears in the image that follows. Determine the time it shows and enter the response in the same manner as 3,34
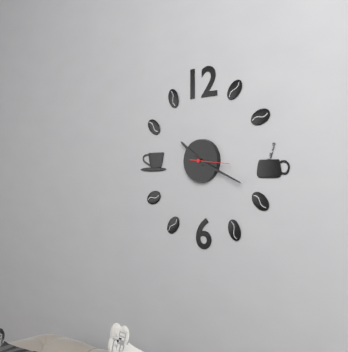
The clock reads 10,19
